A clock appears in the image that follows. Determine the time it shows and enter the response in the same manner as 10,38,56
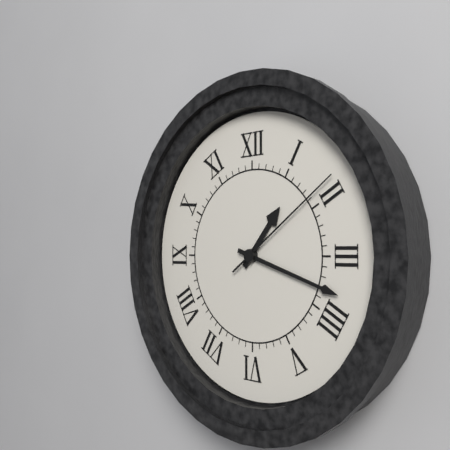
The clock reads 1,18,09
